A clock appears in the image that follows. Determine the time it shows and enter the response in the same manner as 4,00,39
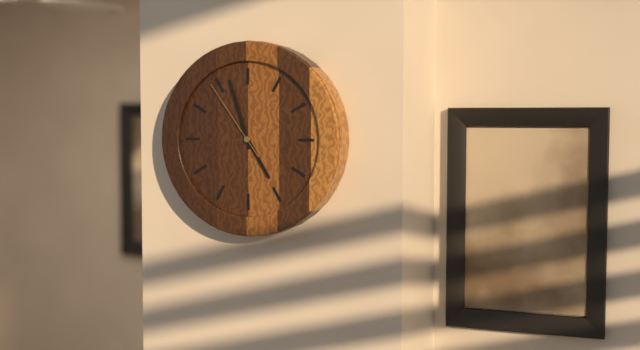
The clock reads 4,57,54
